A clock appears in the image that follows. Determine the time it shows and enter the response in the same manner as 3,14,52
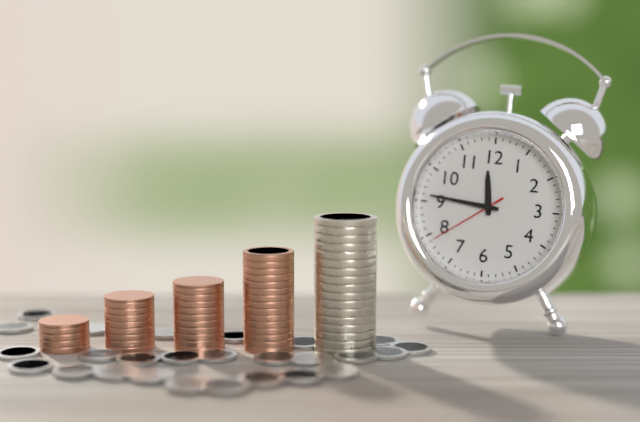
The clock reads 11,46,39
